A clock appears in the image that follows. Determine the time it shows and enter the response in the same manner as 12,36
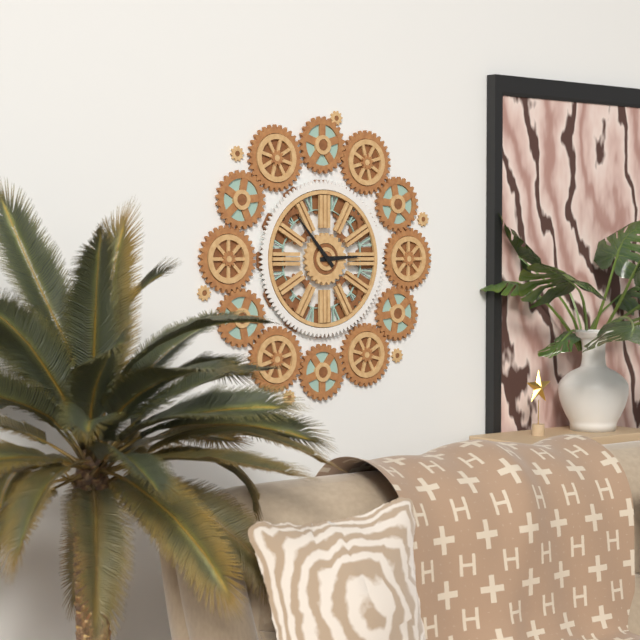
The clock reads 2,53
